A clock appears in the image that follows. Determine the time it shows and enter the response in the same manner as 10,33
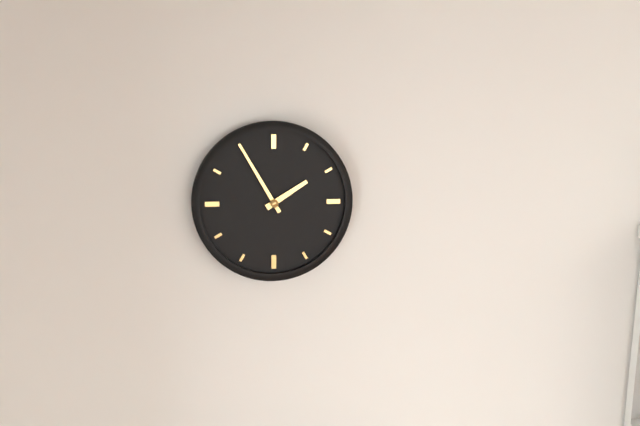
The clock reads 1,55
